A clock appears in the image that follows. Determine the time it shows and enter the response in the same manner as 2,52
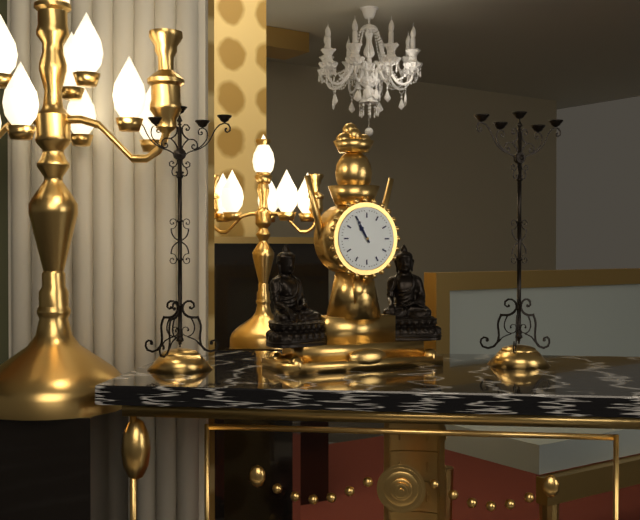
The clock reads 10,55
